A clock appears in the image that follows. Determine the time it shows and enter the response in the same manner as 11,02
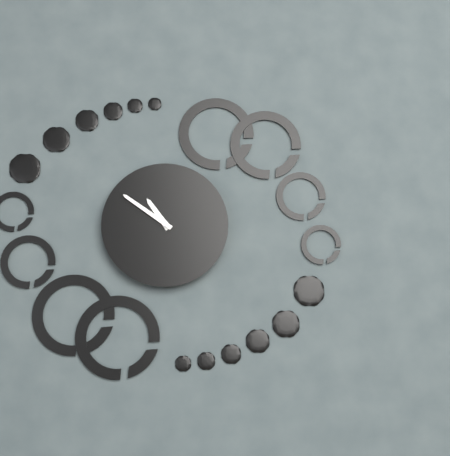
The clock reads 10,51
